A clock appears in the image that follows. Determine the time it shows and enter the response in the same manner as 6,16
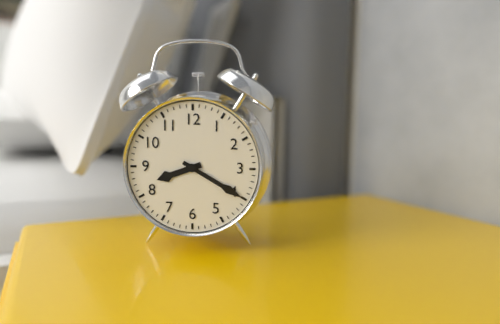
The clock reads 8,20
